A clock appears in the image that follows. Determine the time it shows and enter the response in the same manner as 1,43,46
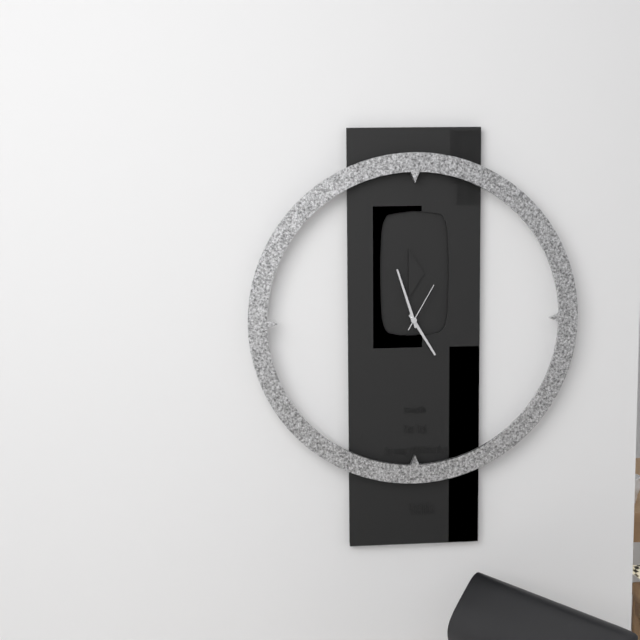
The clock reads 4,57,05
